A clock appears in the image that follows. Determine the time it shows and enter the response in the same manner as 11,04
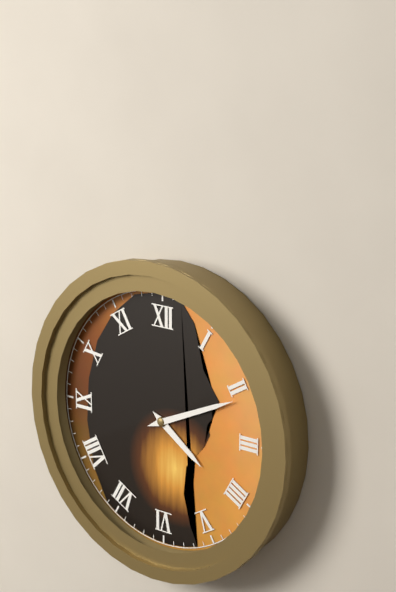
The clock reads 4,11
